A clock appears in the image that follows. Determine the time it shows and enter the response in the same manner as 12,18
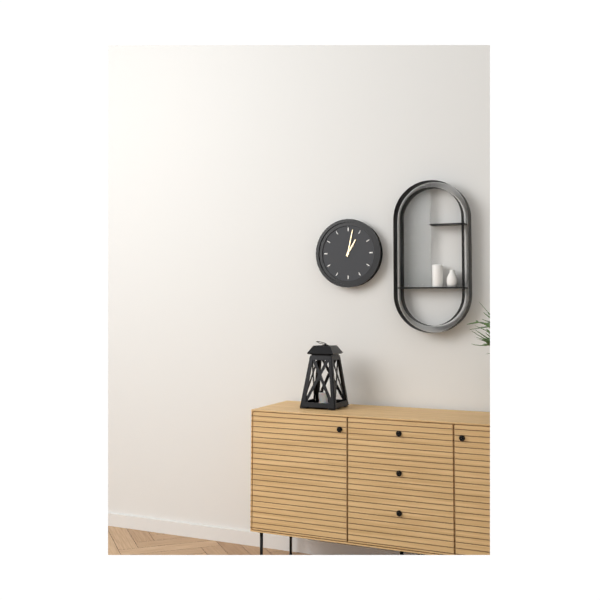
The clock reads 1,02
